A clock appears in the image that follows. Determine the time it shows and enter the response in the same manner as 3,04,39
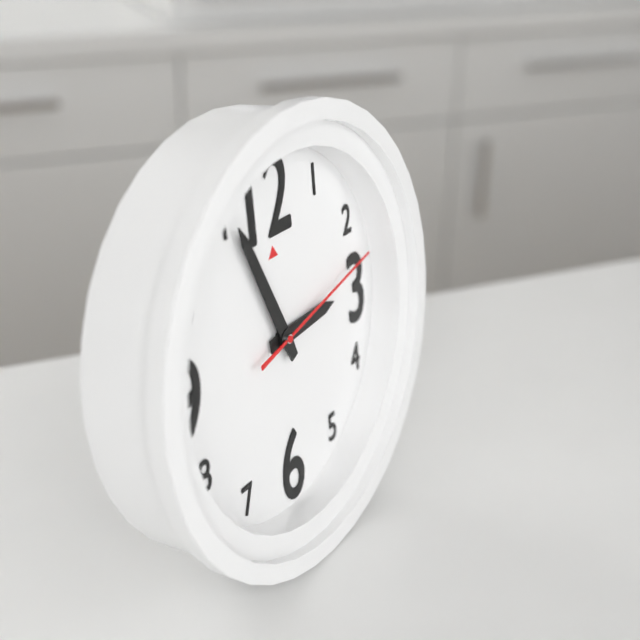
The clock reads 2,56,13
